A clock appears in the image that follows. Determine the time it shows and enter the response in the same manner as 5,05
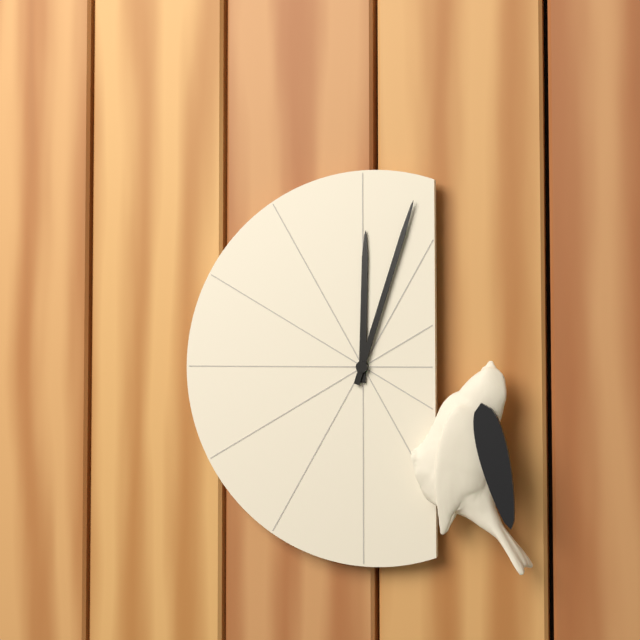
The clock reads 12,03
